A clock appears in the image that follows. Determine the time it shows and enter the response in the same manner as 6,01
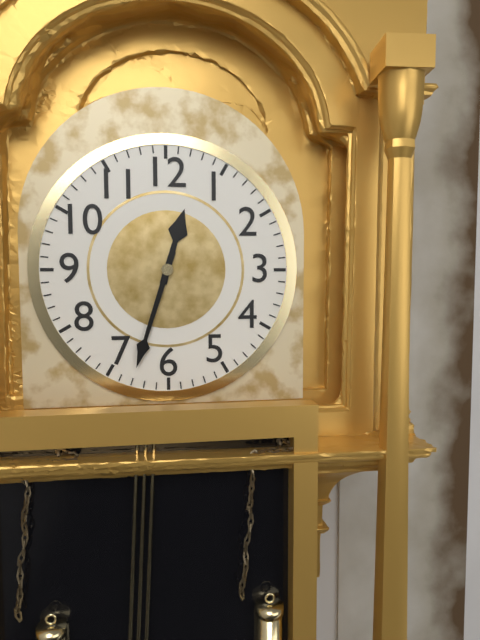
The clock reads 12,33
